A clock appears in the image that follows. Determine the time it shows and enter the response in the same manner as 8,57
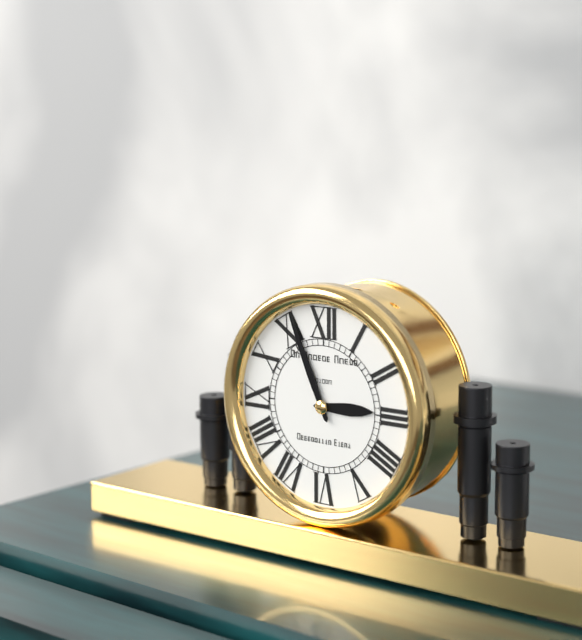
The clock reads 2,56
